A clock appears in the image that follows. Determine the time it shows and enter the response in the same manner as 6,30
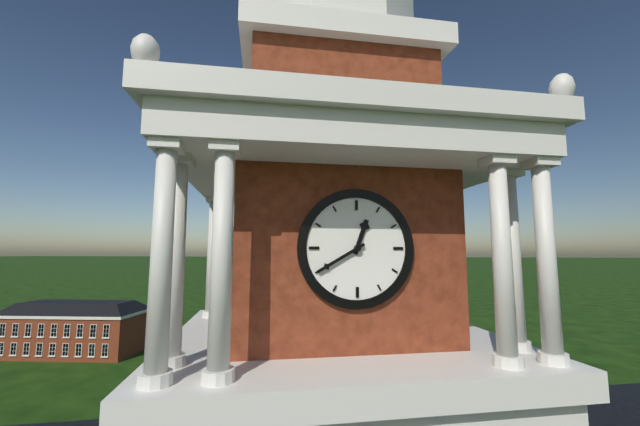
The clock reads 12,40
